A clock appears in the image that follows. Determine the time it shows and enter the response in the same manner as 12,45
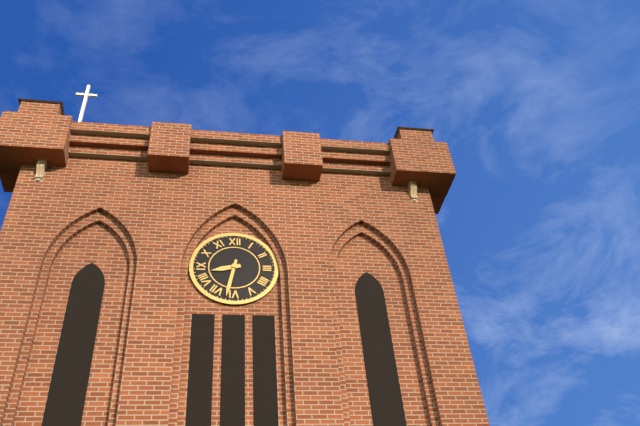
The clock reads 8,32
